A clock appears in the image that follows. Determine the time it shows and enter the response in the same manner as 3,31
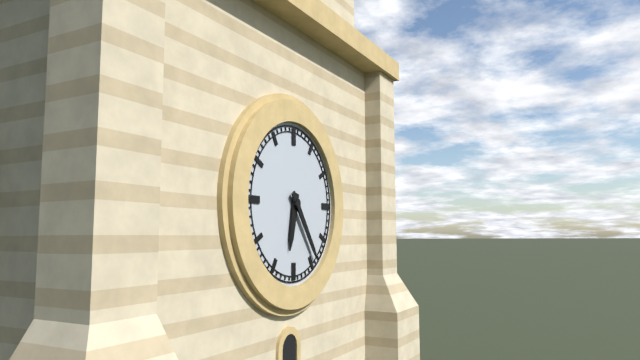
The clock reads 6,24
